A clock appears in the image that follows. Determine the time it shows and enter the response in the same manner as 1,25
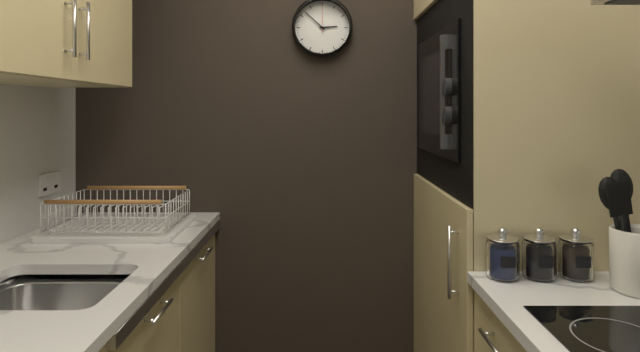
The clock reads 2,52
